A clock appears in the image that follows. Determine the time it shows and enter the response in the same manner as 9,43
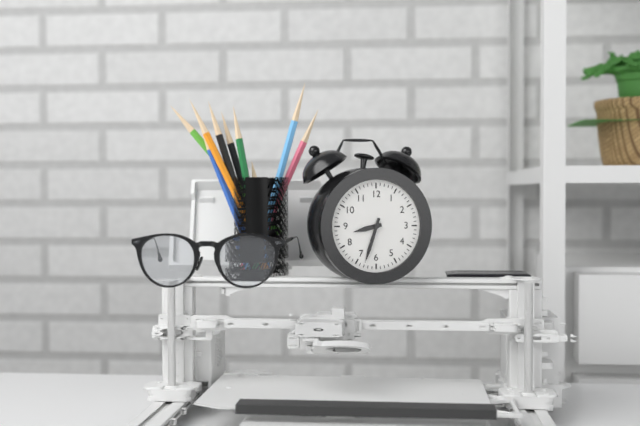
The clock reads 8,33
